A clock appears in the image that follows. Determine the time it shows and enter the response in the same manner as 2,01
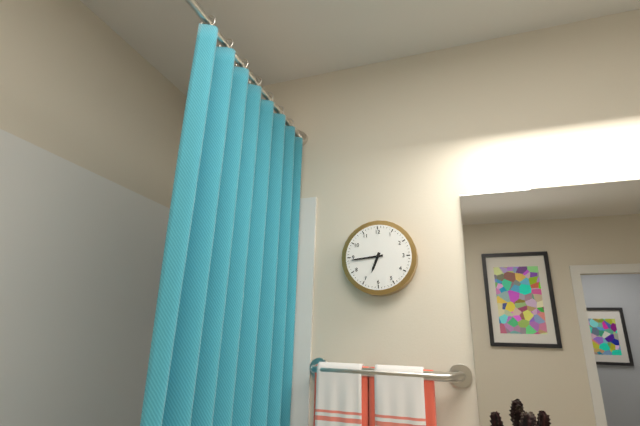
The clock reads 6,44
